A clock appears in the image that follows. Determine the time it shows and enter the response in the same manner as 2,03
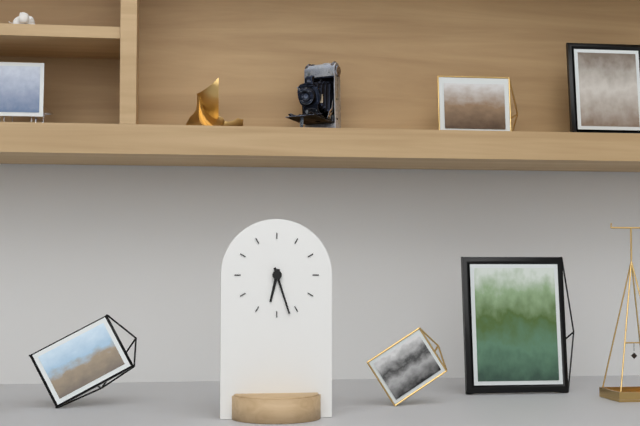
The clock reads 6,27
